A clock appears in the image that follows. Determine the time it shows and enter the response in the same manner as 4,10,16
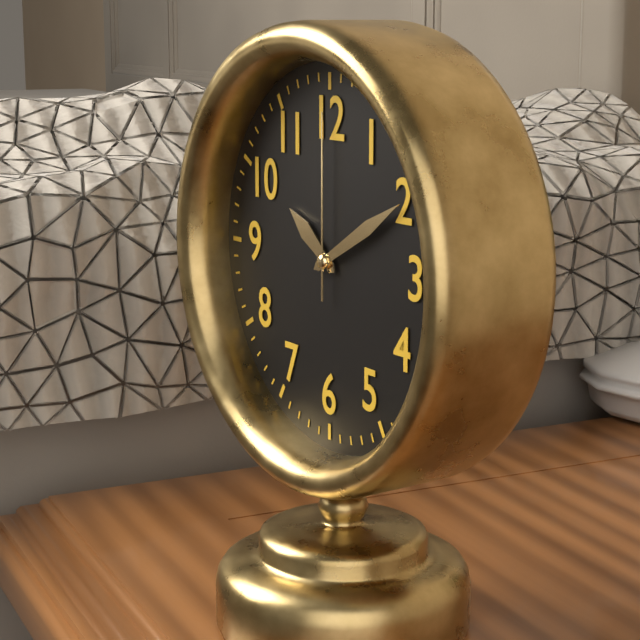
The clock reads 10,10,00
